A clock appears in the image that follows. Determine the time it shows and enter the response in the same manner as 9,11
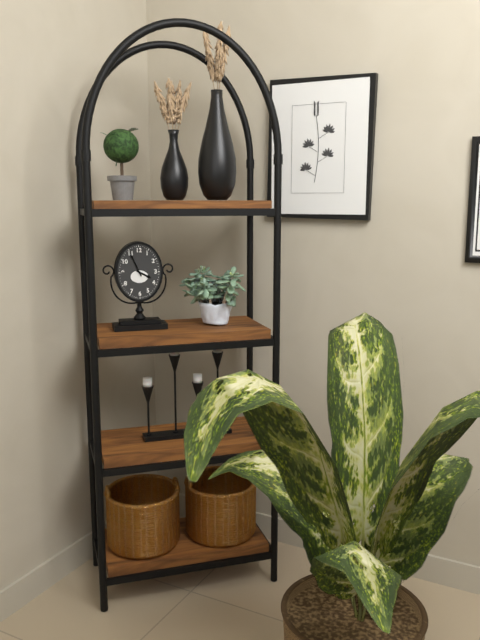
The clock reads 3,56
